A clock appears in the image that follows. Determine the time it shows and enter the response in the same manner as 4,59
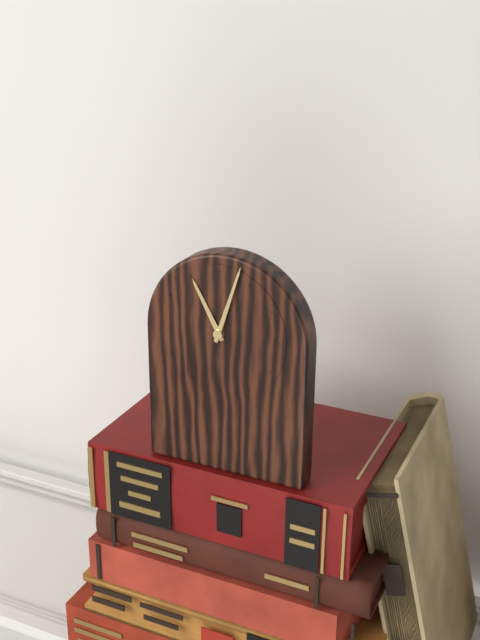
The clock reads 11,03
